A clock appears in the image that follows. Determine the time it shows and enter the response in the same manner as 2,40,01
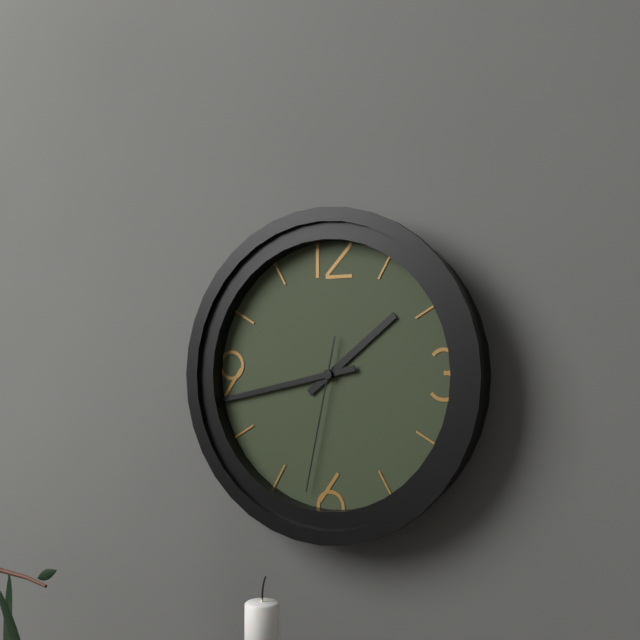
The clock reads 1,43,32
